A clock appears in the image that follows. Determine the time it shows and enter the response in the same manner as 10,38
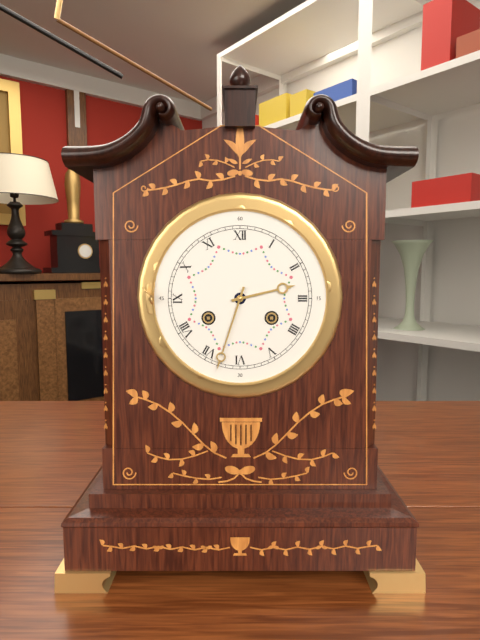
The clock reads 2,33
